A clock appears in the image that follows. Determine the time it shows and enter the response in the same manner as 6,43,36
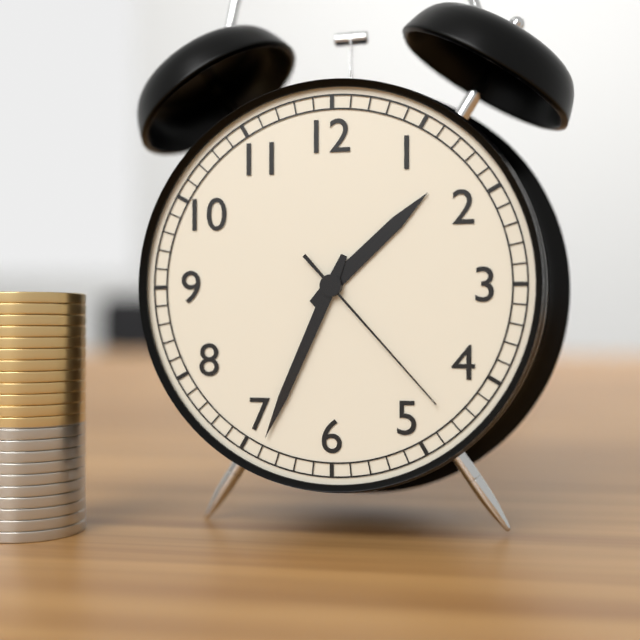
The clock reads 1,34,23
